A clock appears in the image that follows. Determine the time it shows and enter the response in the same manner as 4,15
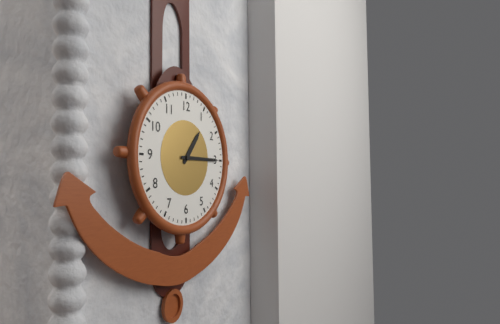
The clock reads 1,15
